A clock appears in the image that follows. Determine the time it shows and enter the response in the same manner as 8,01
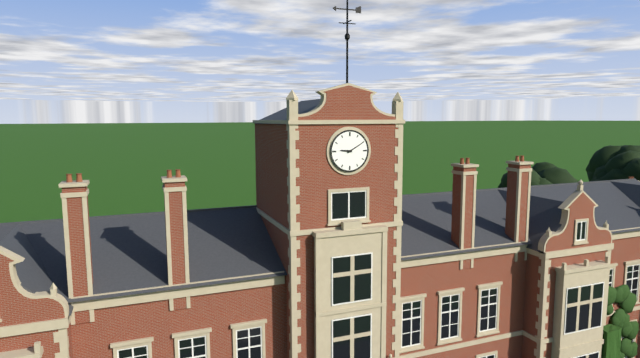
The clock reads 9,10
